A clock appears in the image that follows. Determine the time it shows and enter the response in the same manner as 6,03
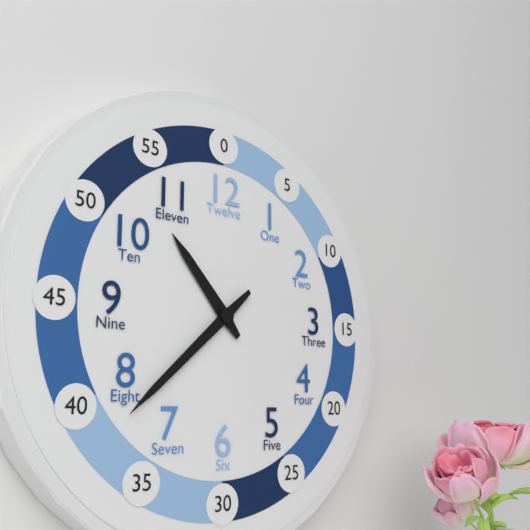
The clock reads 10,38
